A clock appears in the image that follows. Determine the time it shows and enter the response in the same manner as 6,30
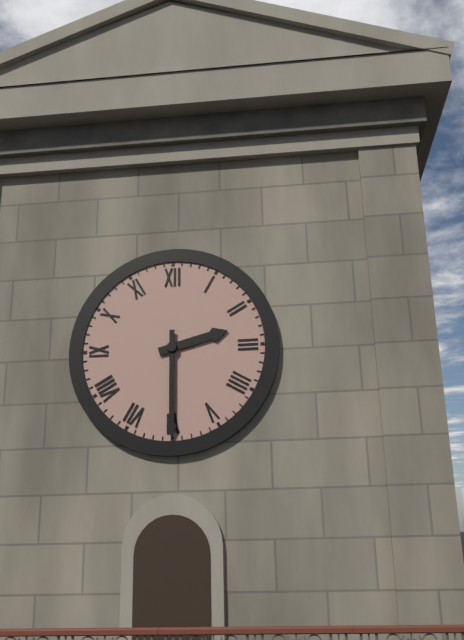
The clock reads 2,30
